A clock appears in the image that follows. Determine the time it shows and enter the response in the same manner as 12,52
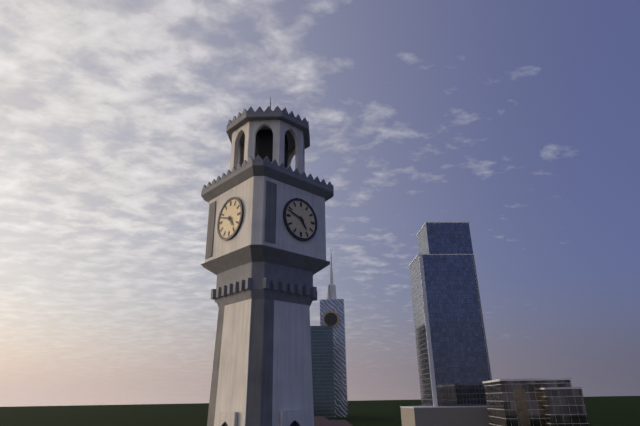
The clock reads 4,48
